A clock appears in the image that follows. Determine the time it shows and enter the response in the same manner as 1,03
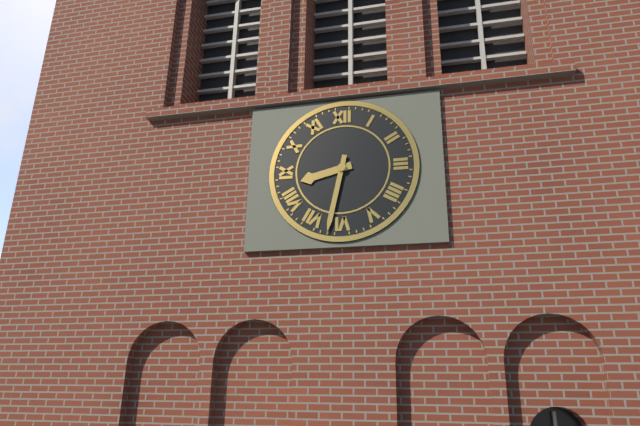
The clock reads 8,32
